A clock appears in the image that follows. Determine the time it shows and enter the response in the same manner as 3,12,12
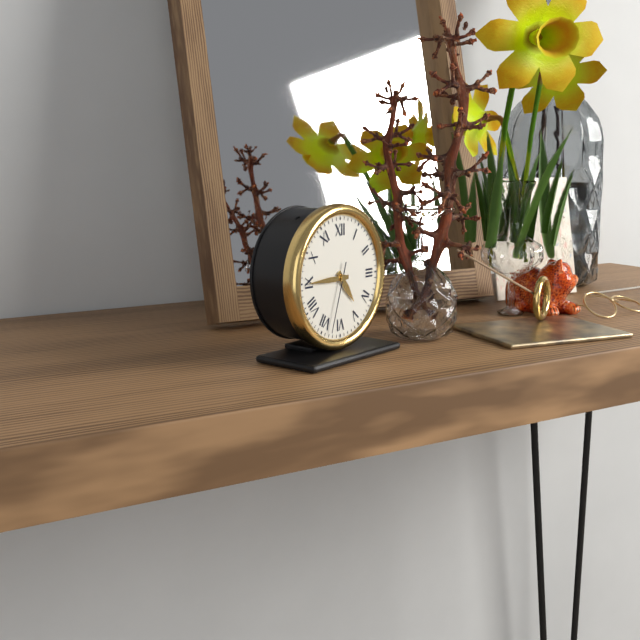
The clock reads 4,45,33
